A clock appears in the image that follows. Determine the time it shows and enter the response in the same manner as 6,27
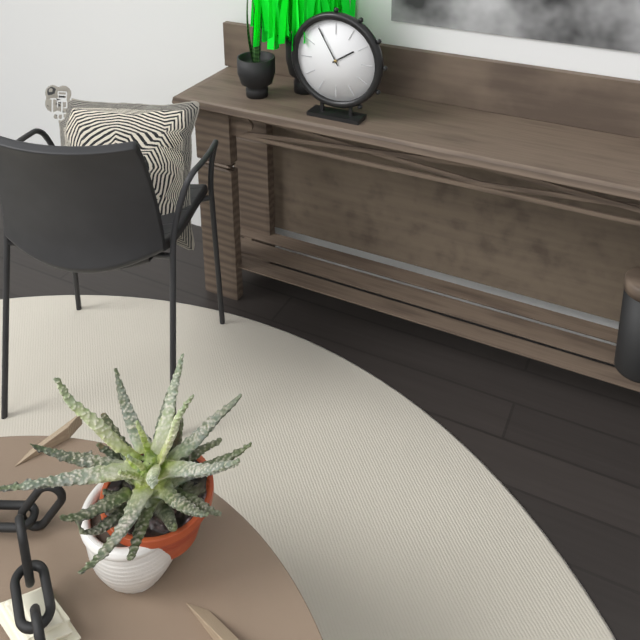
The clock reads 1,55
